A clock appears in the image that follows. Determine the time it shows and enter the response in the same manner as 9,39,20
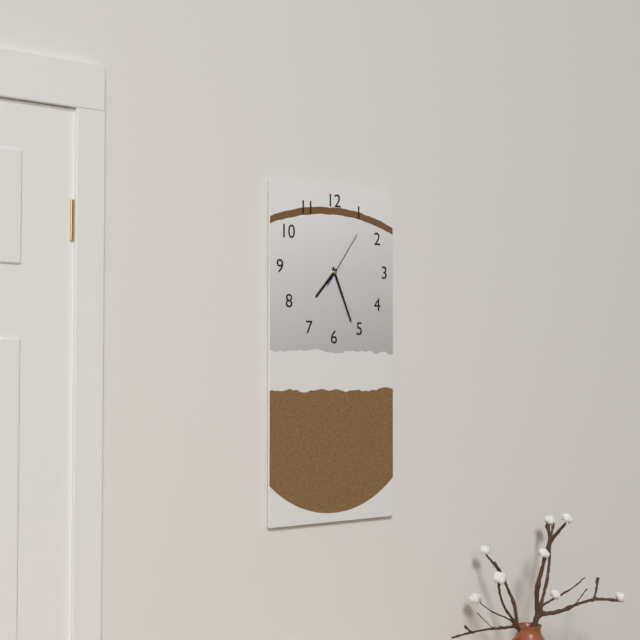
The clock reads 7,26,06
